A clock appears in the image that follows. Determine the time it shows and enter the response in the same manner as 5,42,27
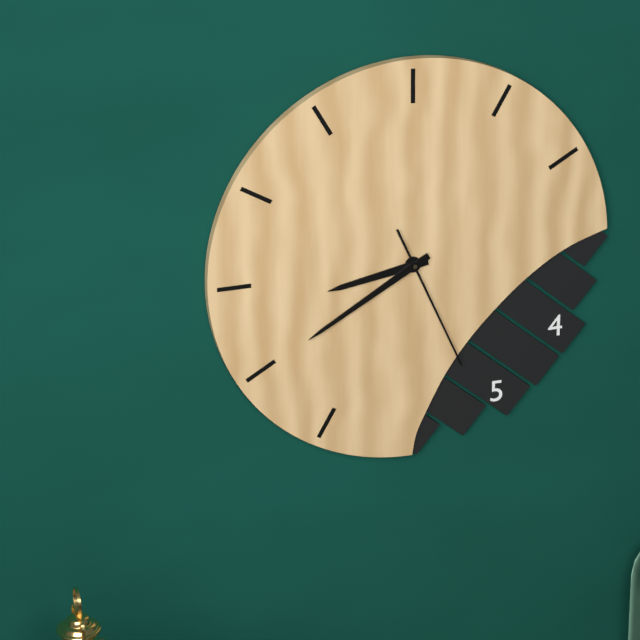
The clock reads 8,40,26
